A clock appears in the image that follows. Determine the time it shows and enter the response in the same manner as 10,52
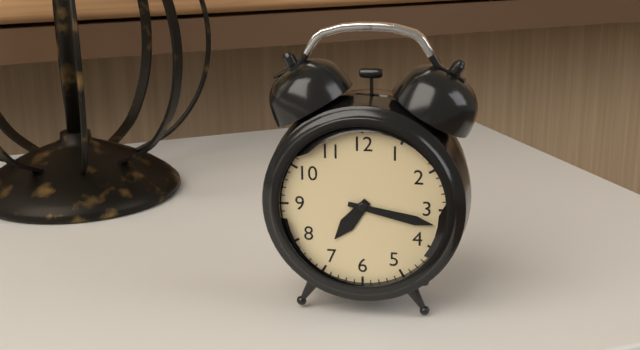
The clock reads 7,17
